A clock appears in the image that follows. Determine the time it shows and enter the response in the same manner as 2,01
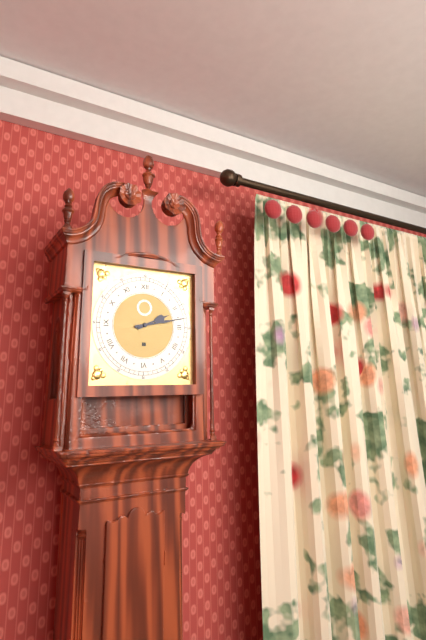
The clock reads 2,13
